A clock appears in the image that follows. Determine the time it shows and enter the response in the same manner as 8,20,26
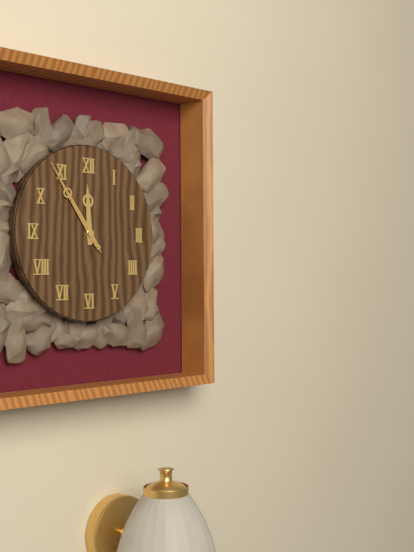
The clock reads 11,54,54
